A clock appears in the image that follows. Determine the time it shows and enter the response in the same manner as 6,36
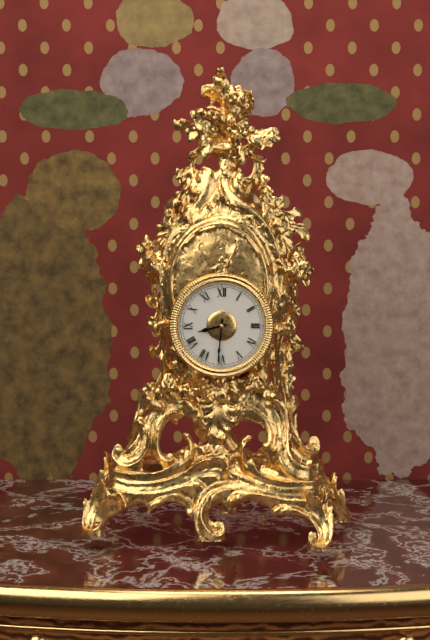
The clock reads 8,31
